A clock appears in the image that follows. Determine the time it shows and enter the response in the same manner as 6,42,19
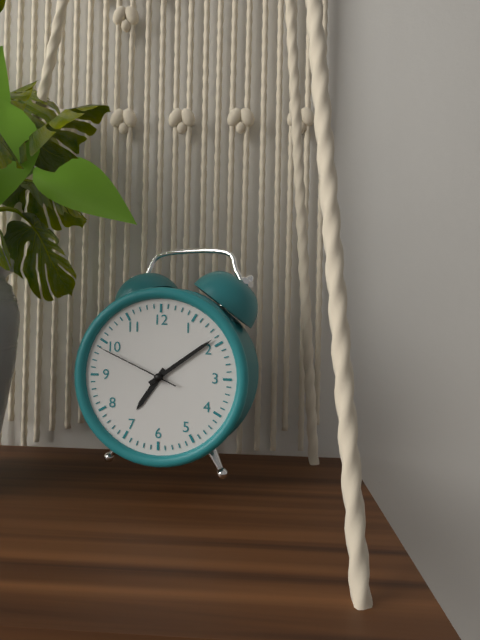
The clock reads 7,09,49
